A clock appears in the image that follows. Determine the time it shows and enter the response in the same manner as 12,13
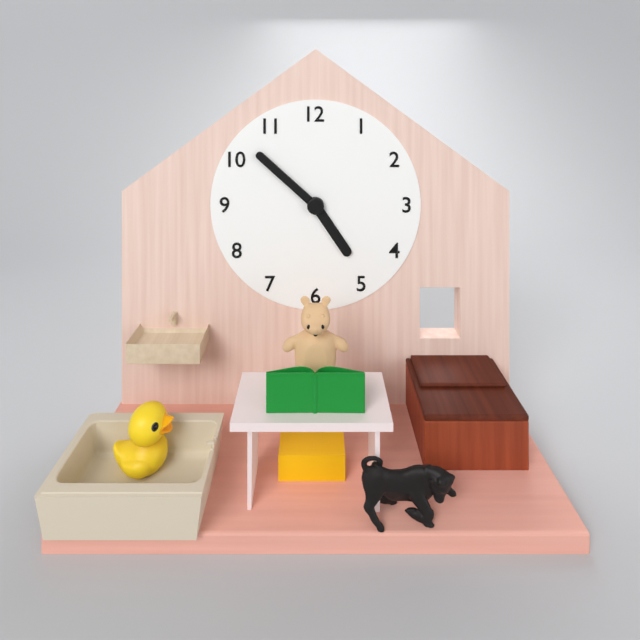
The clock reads 4,52
